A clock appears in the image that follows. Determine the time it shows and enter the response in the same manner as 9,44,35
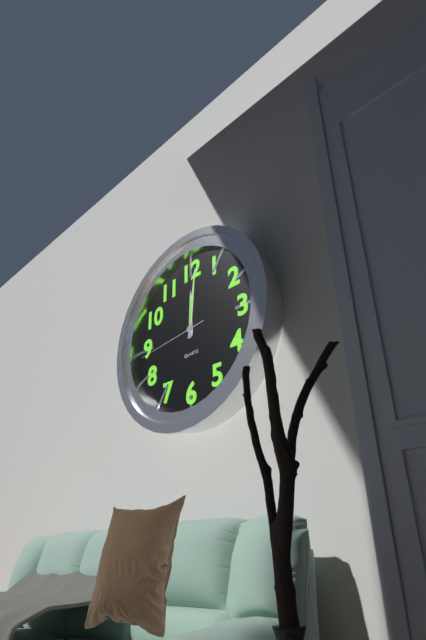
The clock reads 12,01,44
